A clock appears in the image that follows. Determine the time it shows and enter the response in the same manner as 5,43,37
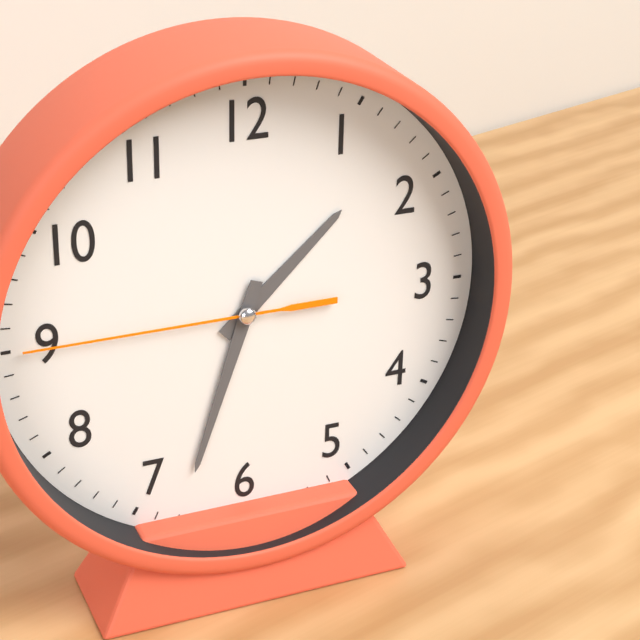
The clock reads 1,33,45
